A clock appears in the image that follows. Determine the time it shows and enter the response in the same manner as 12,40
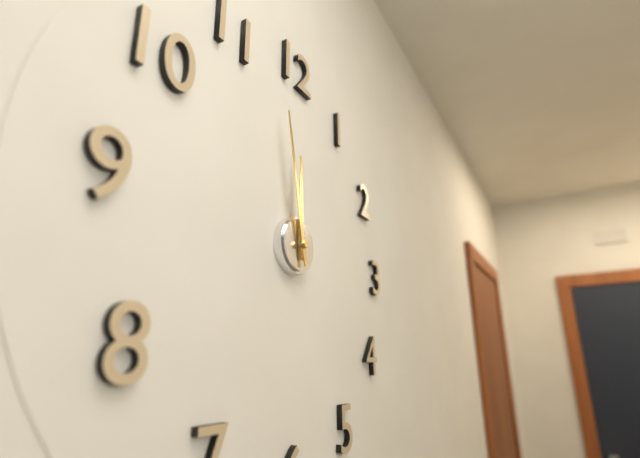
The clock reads 11,58
